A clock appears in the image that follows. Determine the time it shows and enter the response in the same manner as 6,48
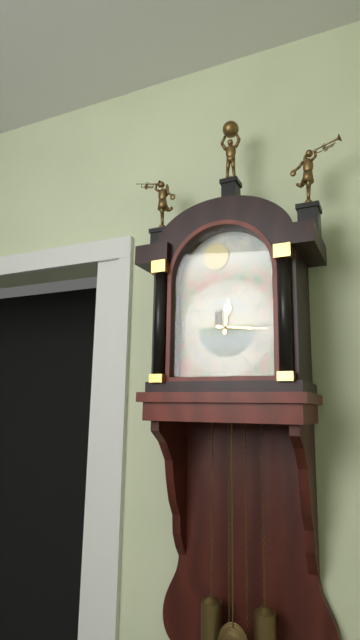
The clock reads 12,16
